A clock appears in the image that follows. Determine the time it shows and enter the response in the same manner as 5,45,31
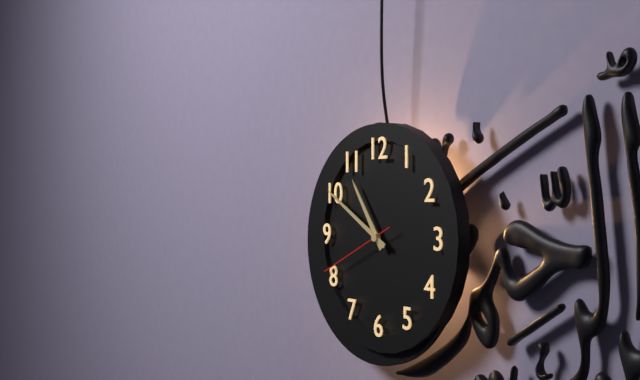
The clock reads 10,50,41
